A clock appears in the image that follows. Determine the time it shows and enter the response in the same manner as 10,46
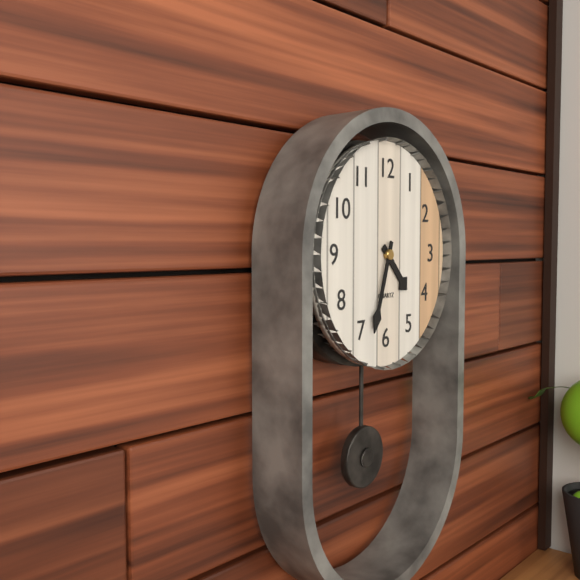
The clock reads 4,33
